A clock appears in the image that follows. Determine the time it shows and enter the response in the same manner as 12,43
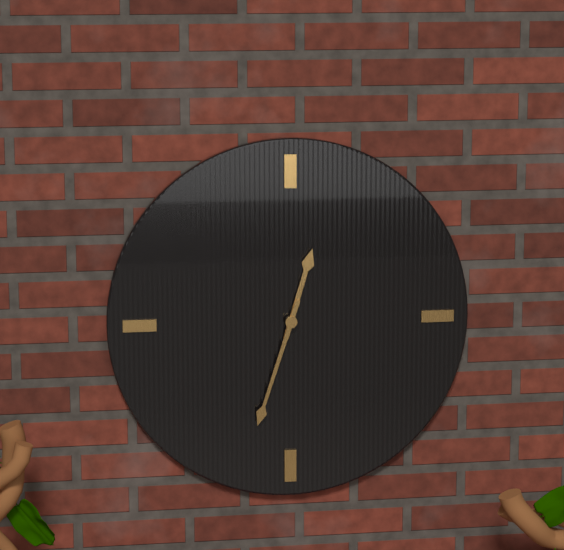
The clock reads 12,33
